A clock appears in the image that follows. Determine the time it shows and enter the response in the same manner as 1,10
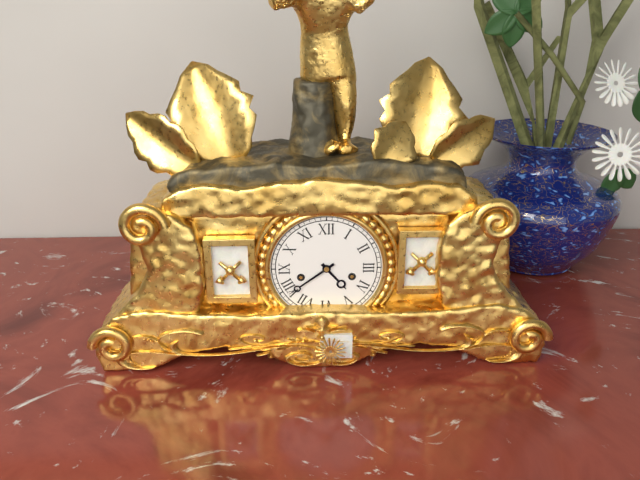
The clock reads 4,39
